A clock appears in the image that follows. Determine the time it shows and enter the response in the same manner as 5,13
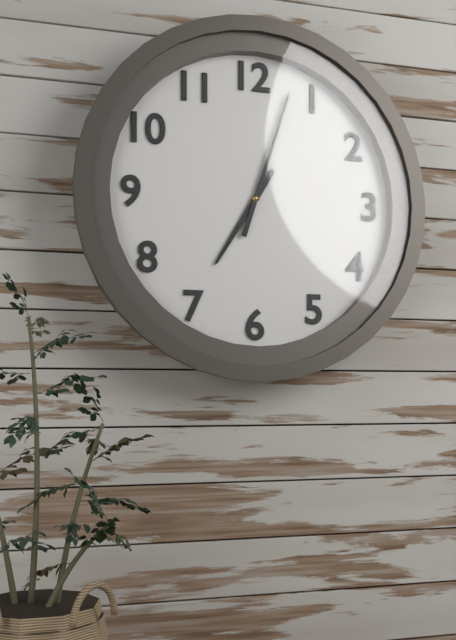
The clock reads 7,03
